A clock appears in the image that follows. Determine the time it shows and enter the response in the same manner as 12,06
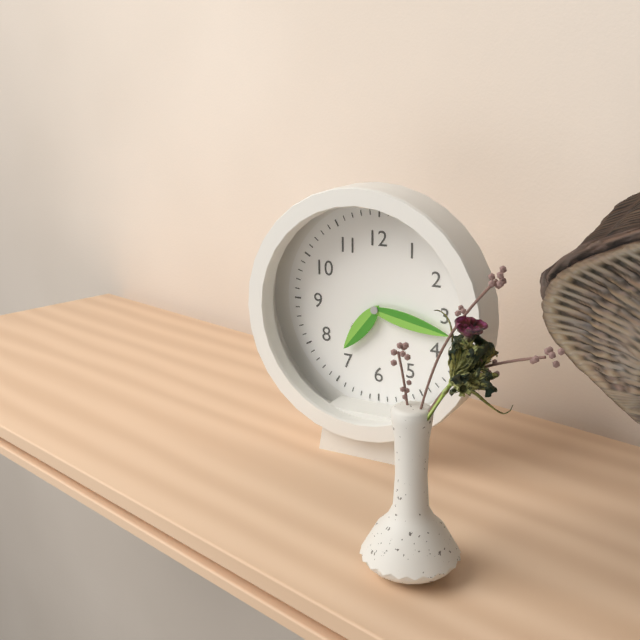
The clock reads 7,17
